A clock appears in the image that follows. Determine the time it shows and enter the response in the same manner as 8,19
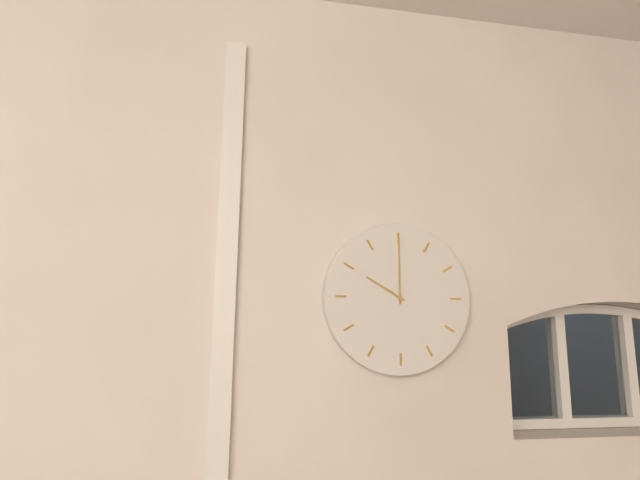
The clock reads 10,00
